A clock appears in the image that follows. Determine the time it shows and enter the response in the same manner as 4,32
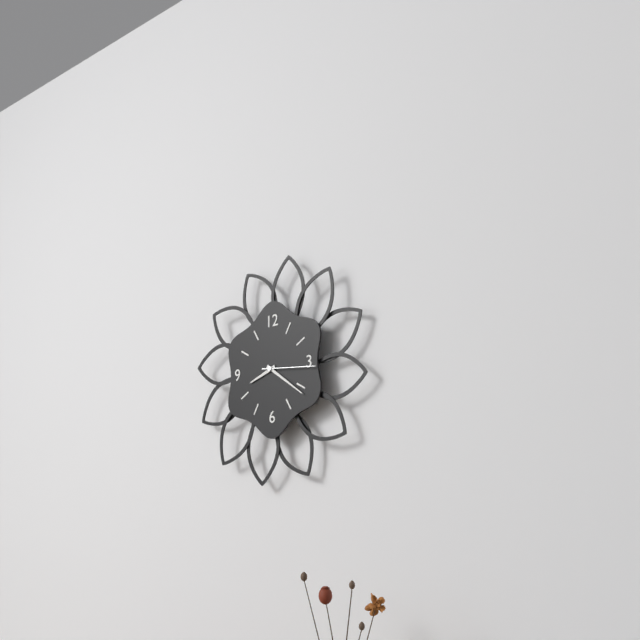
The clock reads 8,21
